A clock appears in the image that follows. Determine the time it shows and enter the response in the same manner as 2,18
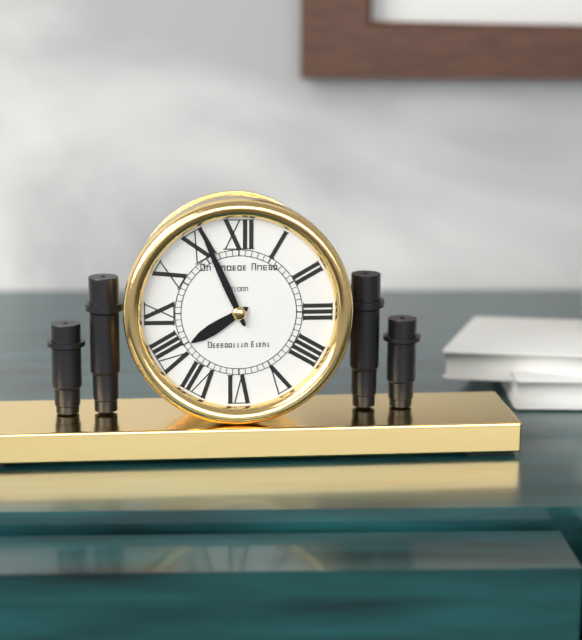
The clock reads 7,56
